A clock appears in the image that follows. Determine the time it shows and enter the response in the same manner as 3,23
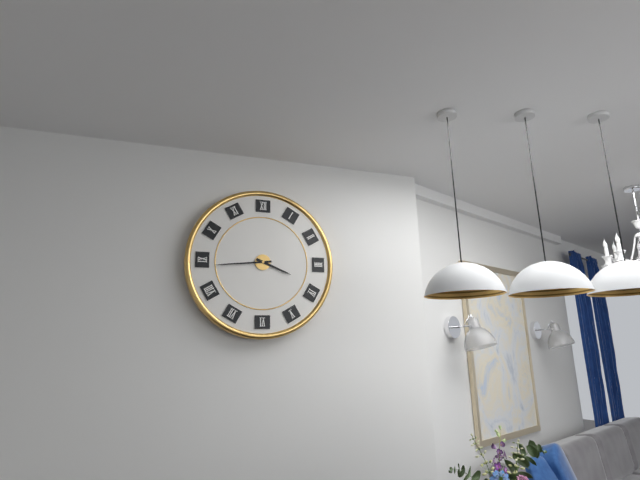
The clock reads 3,44
